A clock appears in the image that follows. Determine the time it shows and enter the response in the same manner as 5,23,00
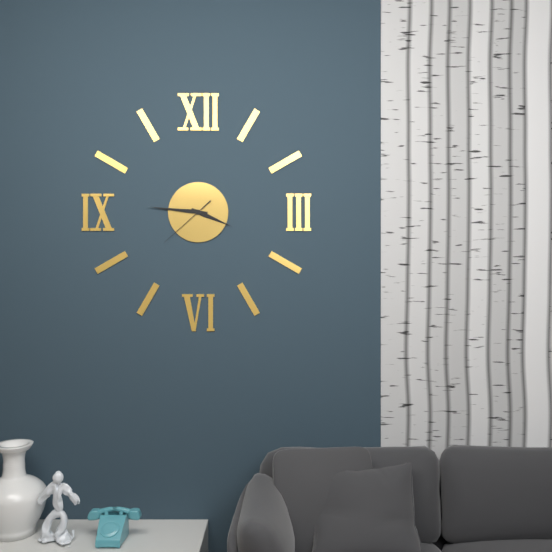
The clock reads 3,46,38
